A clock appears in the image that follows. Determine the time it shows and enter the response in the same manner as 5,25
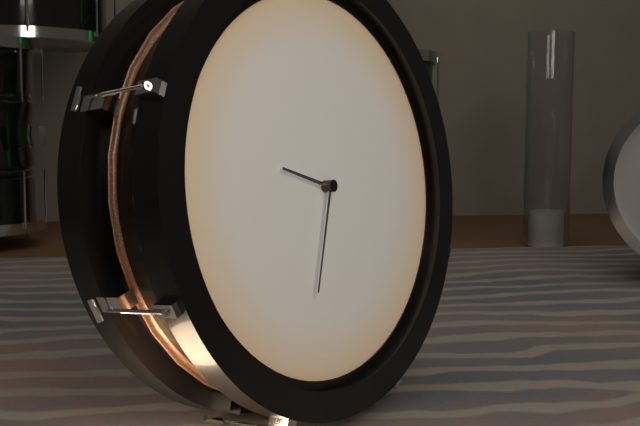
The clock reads 9,33
